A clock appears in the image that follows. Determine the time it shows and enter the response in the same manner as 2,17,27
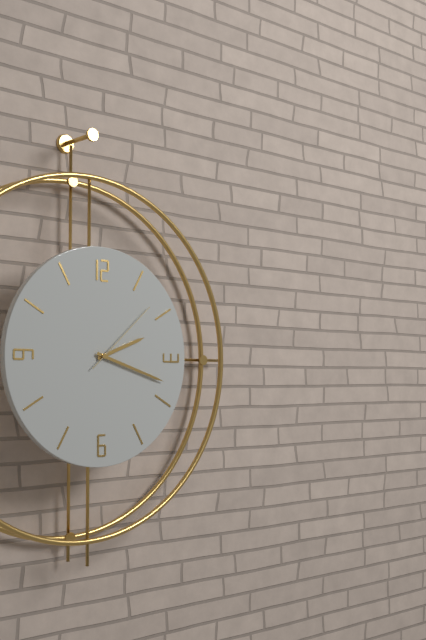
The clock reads 2,18,08
